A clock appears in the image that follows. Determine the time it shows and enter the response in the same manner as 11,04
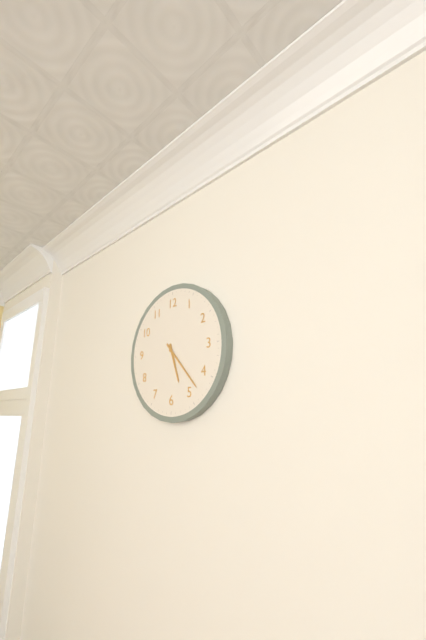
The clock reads 5,23
